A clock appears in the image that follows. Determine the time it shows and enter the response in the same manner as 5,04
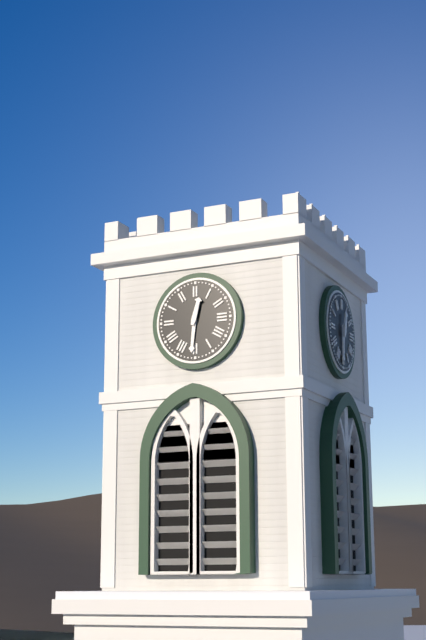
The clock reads 12,31
